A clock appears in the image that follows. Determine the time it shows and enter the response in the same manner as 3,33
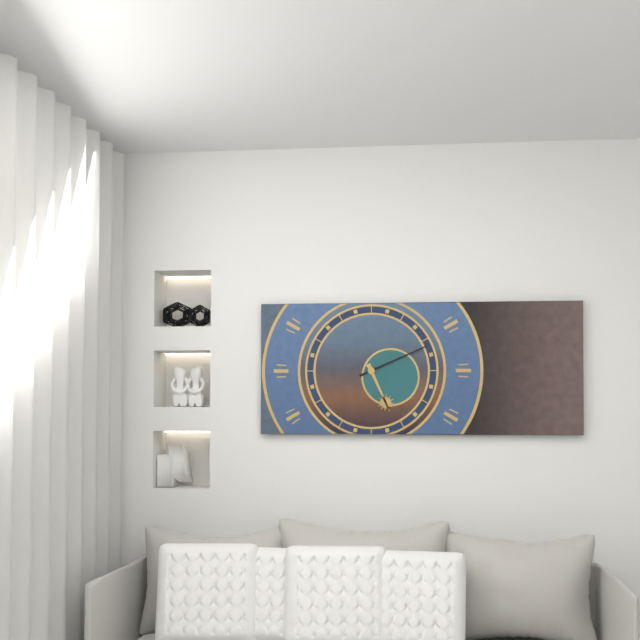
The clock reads 5,11
